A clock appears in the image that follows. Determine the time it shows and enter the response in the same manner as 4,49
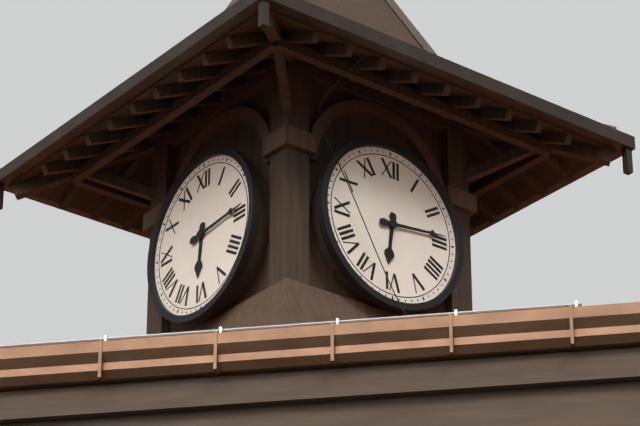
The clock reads 6,14
